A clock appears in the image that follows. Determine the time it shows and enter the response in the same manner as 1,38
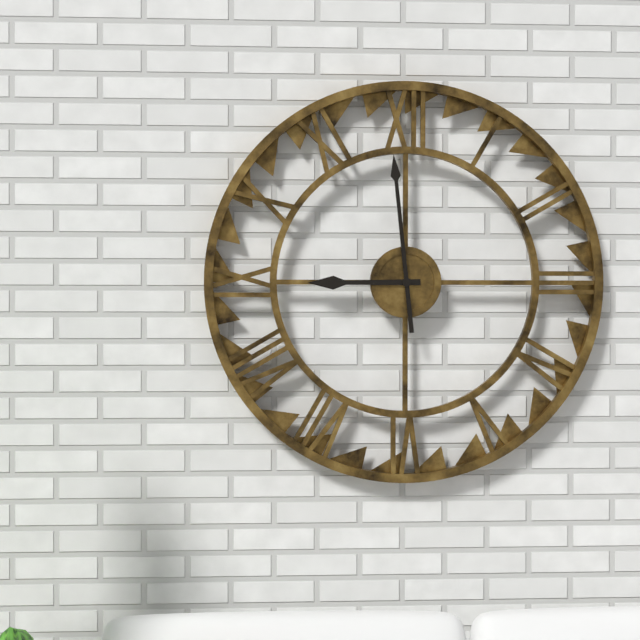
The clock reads 8,59
